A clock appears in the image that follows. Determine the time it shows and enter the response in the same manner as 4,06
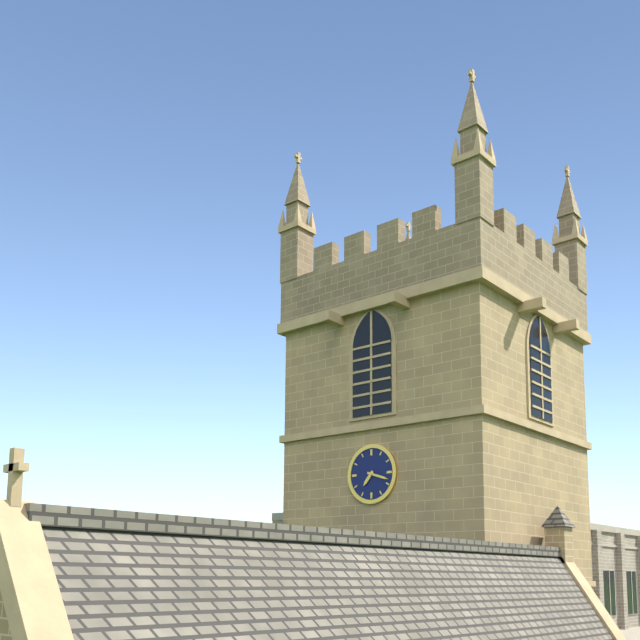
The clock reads 7,18
